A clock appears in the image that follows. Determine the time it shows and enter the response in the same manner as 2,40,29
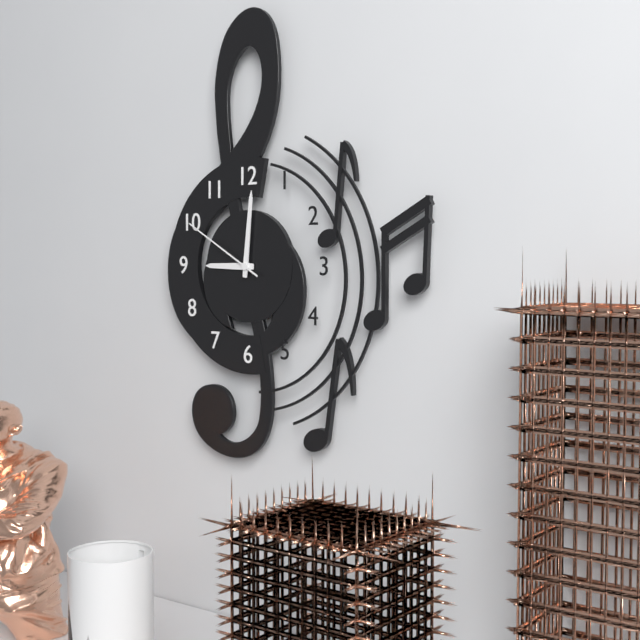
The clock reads 9,01,50
